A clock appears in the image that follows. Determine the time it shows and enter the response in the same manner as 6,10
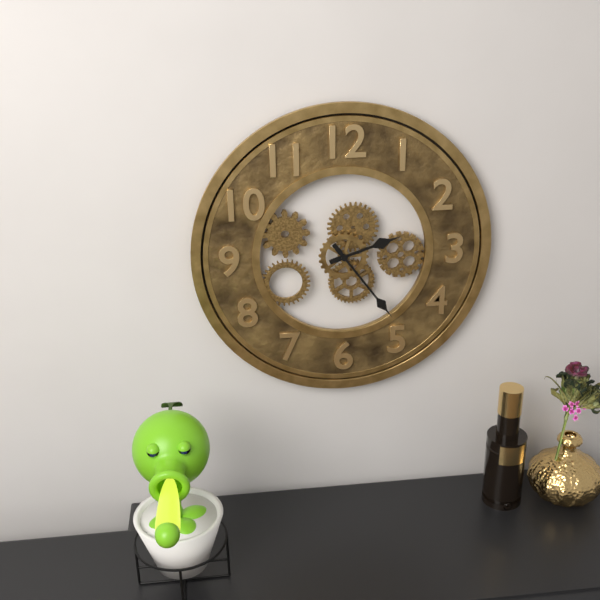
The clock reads 2,24
